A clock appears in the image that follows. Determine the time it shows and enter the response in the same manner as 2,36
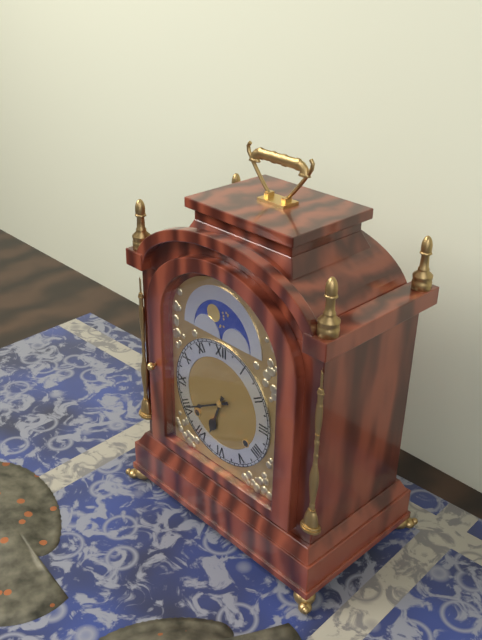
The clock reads 6,40
